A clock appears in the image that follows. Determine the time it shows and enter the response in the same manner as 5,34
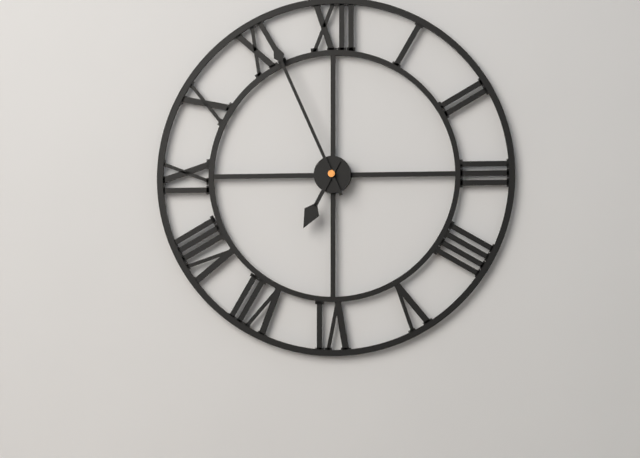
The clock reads 6,56
